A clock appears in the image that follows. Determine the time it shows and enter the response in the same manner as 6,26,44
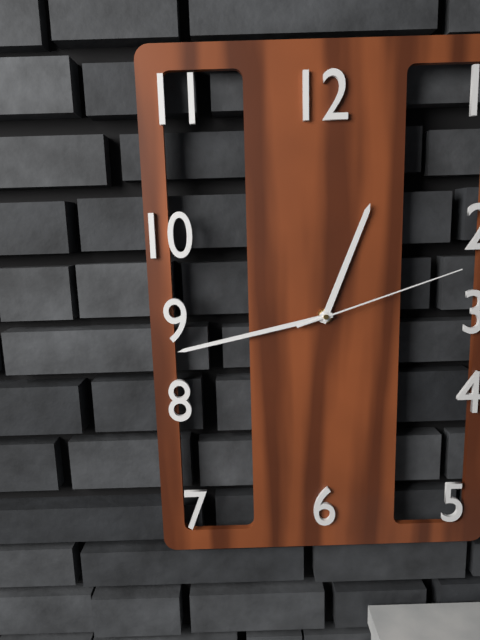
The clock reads 12,43,12
